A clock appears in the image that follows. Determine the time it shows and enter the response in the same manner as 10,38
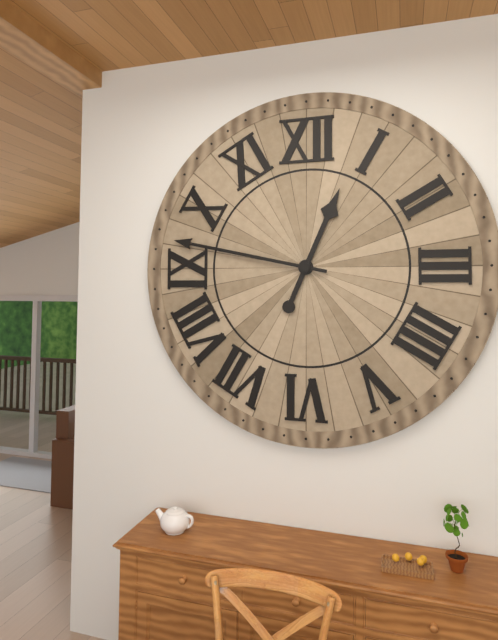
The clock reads 12,47
